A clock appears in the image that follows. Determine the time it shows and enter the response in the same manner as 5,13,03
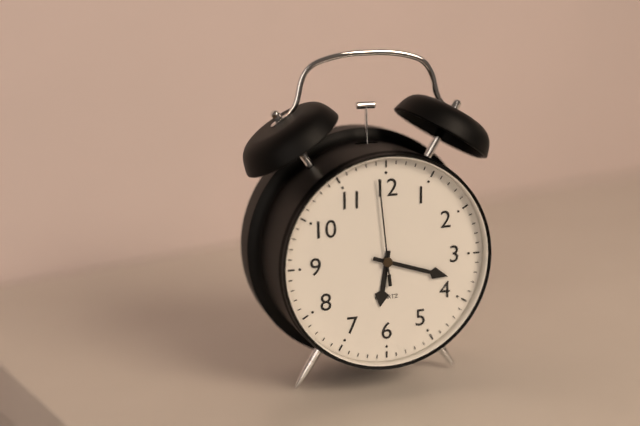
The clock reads 6,18,59
